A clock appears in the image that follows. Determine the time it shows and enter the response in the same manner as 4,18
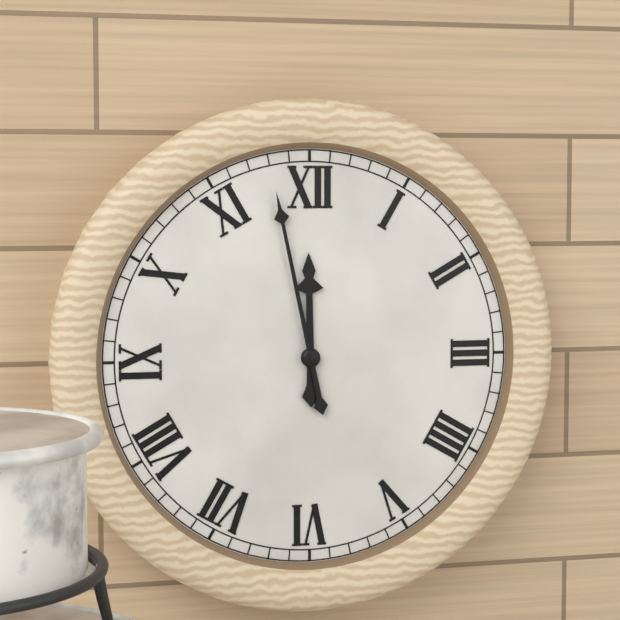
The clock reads 11,58
